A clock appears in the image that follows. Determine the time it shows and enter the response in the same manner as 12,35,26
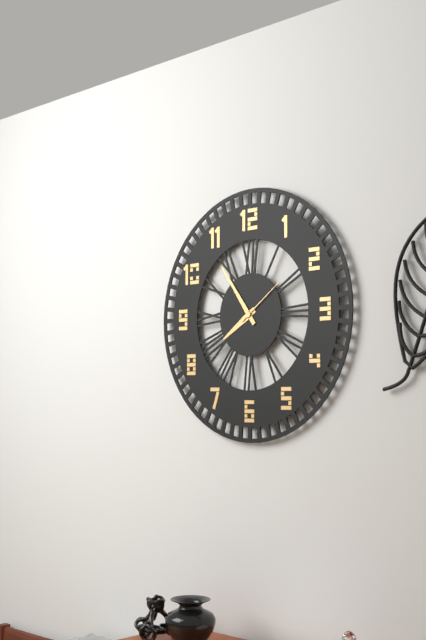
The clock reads 7,54,09
